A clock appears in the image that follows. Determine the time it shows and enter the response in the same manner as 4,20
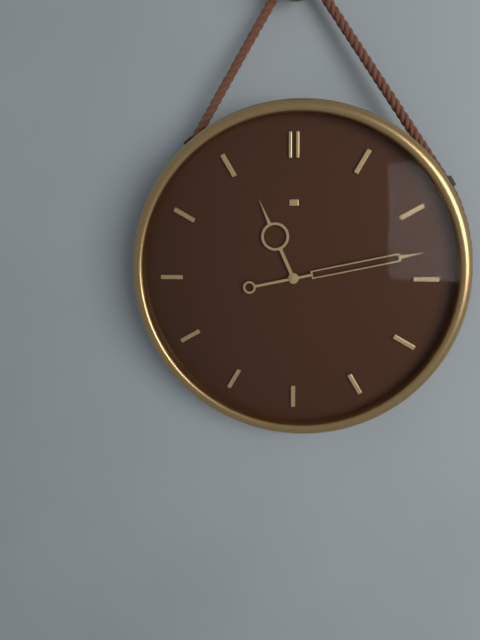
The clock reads 11,13
